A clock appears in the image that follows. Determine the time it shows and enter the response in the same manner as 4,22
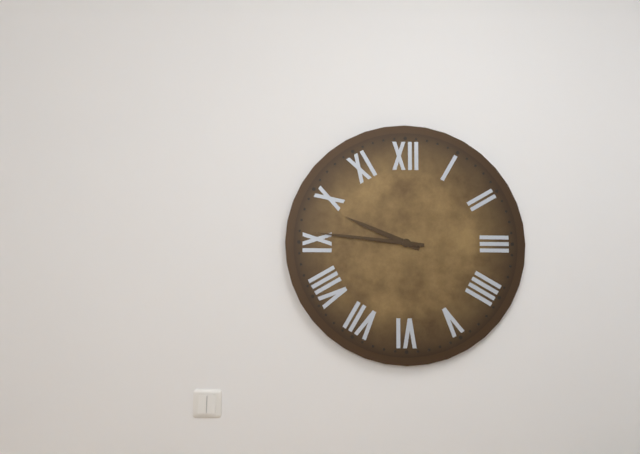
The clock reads 9,46
